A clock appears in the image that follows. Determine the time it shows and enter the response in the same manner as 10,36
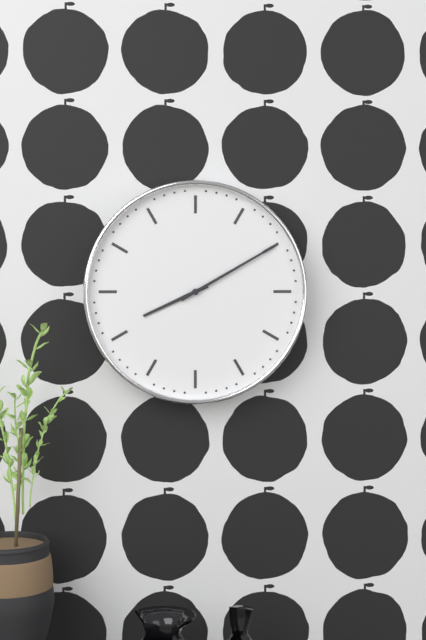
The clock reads 8,10
